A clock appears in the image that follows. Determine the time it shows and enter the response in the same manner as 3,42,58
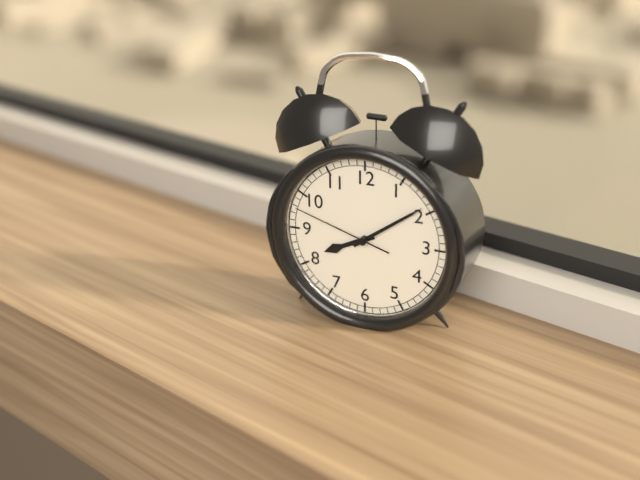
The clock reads 8,09,48
